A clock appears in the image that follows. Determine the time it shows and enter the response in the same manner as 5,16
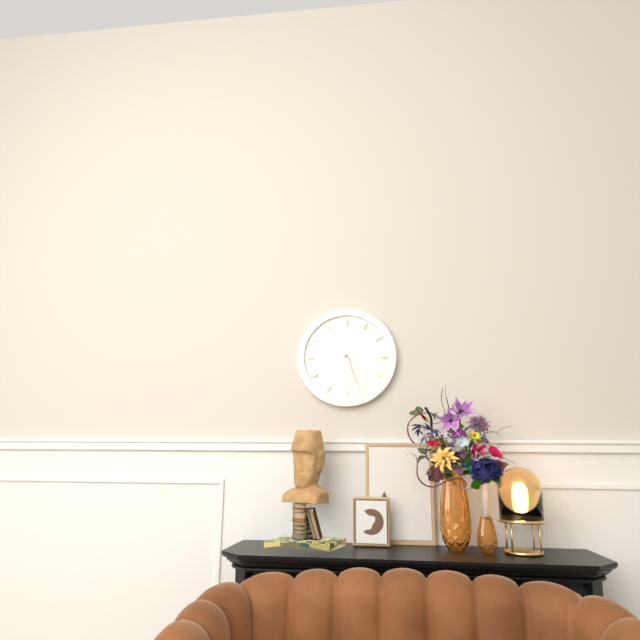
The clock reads 5,27
